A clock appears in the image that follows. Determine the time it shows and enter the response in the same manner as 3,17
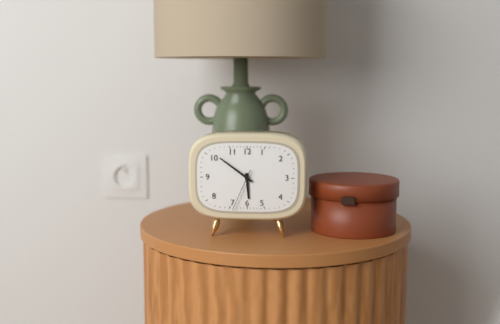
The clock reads 5,51
